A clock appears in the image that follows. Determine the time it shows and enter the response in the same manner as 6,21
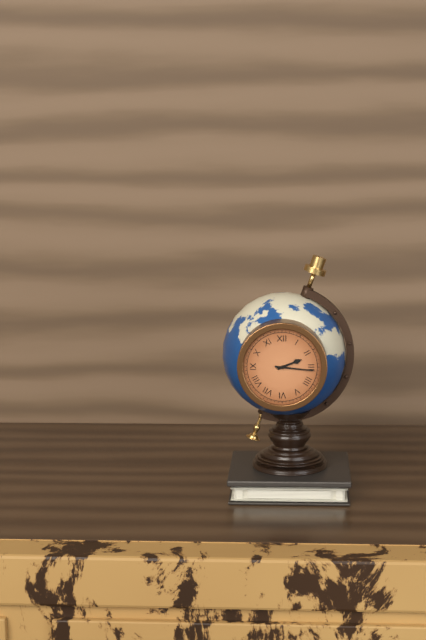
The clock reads 2,16
